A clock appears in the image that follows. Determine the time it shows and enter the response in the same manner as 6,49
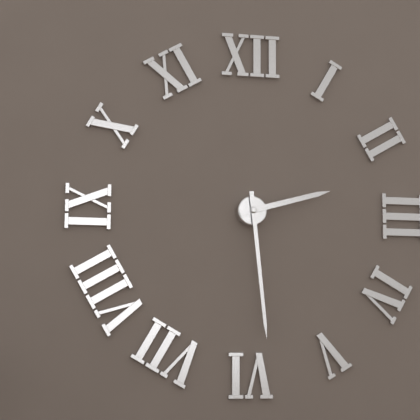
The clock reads 2,29
